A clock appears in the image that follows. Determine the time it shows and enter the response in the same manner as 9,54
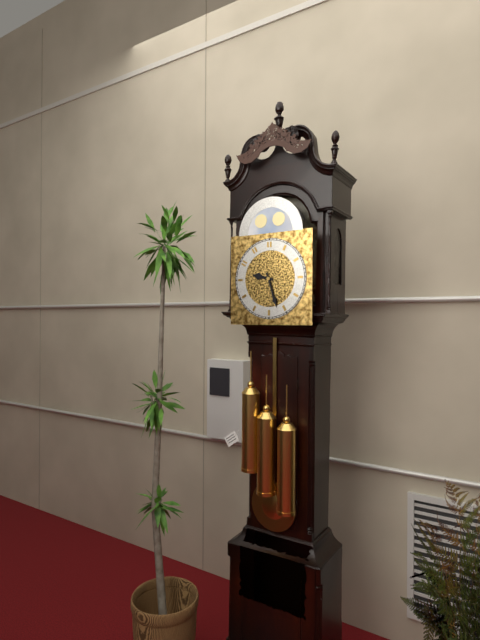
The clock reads 9,27
